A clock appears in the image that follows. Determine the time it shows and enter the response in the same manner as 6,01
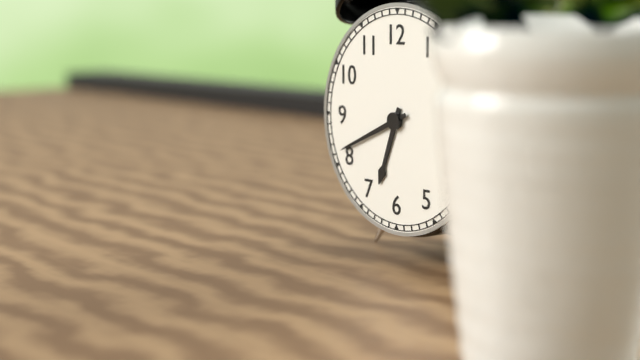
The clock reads 6,41
